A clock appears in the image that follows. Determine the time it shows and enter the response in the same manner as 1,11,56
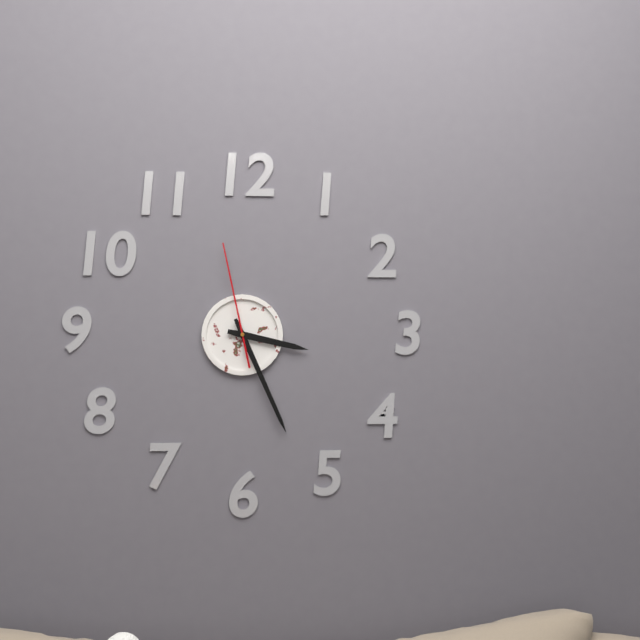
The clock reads 3,26,58
